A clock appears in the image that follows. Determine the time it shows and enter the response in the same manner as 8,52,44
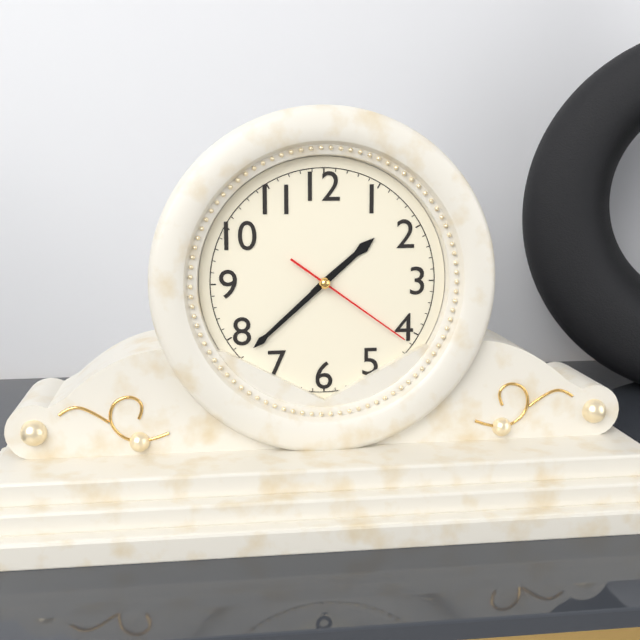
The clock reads 1,38,21
